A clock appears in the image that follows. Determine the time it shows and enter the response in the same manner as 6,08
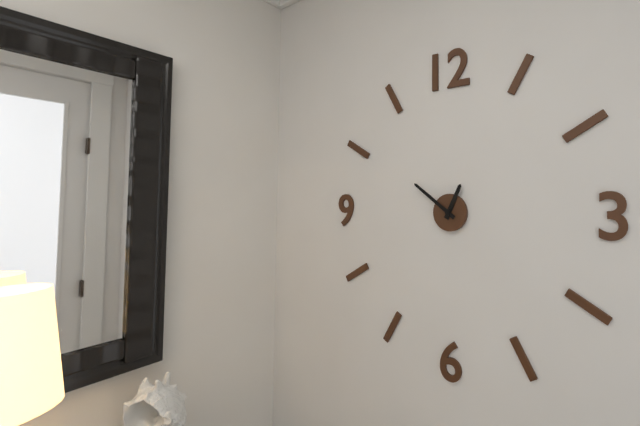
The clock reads 12,51
